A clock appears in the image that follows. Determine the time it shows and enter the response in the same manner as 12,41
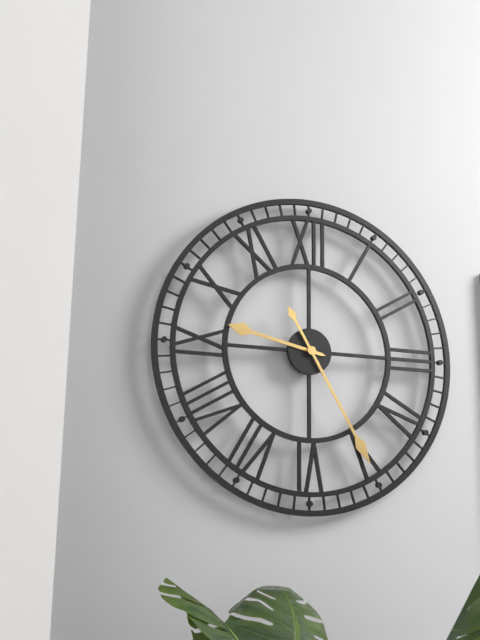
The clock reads 9,25
